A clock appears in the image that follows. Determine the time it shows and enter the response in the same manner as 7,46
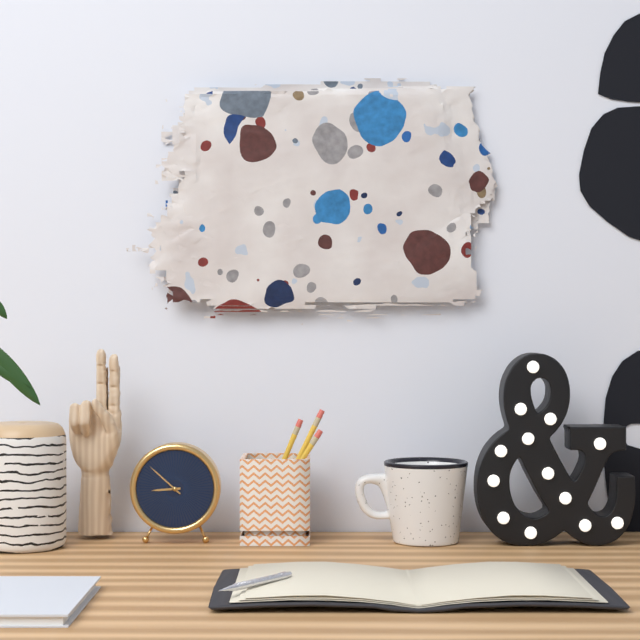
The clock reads 8,52
